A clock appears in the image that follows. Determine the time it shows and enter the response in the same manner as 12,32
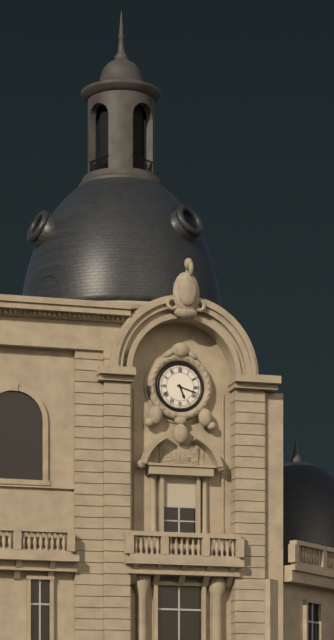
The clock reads 5,18
